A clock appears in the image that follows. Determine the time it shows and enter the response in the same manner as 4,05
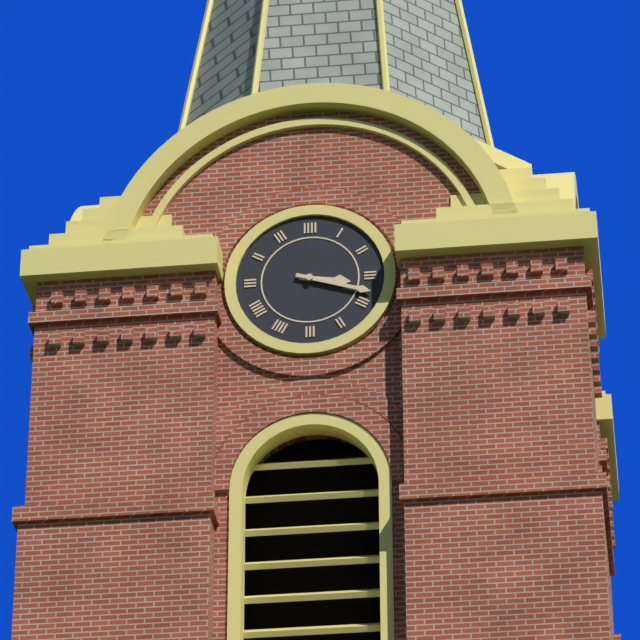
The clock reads 3,18
